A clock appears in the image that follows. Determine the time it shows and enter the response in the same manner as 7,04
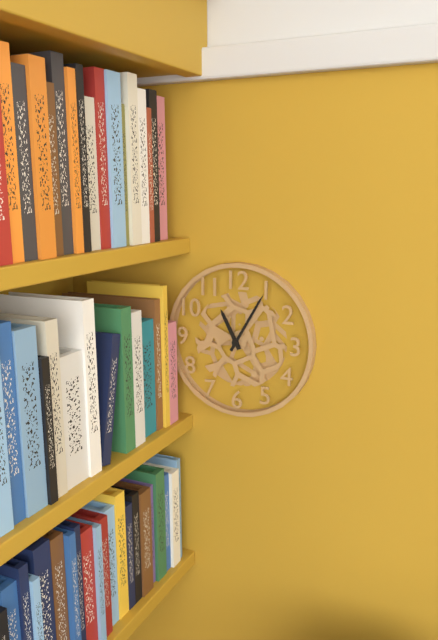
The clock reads 11,05
